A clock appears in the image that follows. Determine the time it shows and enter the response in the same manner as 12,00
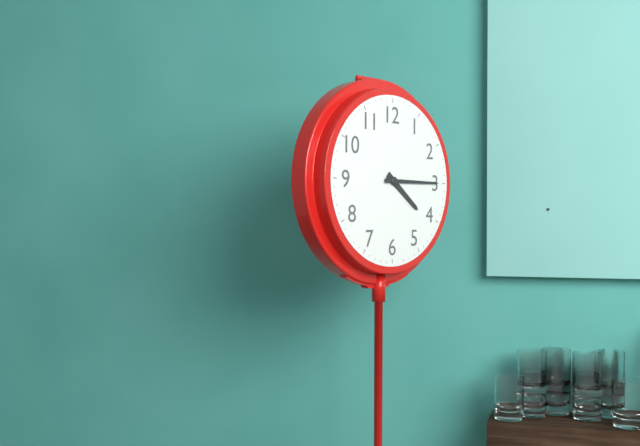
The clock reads 4,15
